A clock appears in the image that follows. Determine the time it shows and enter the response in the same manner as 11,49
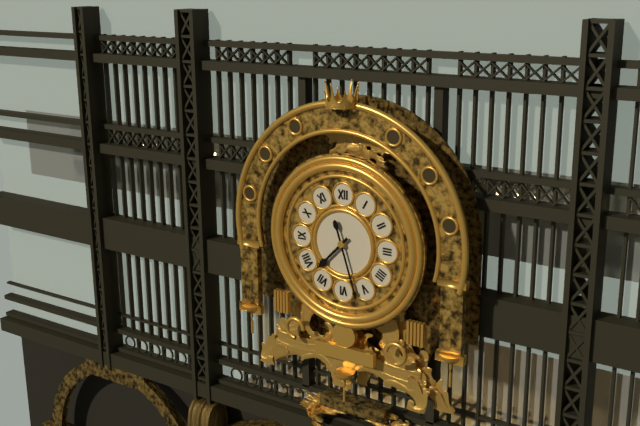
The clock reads 7,27
